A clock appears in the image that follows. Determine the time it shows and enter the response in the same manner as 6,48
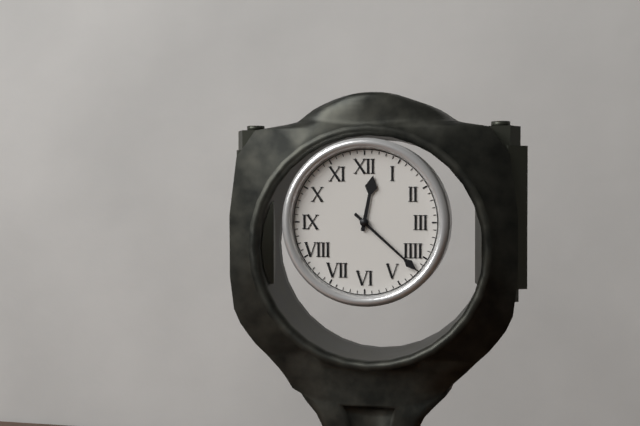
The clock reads 12,22
